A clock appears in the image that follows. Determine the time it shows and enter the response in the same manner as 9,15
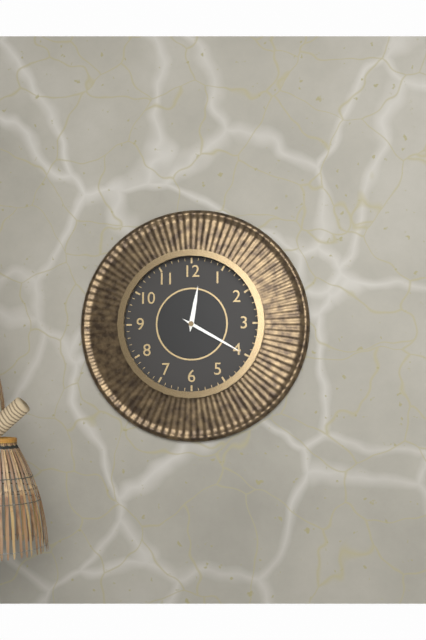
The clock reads 12,20
